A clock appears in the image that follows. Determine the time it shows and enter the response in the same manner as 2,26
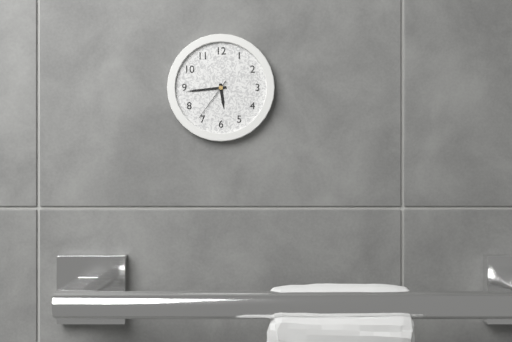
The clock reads 5,44
